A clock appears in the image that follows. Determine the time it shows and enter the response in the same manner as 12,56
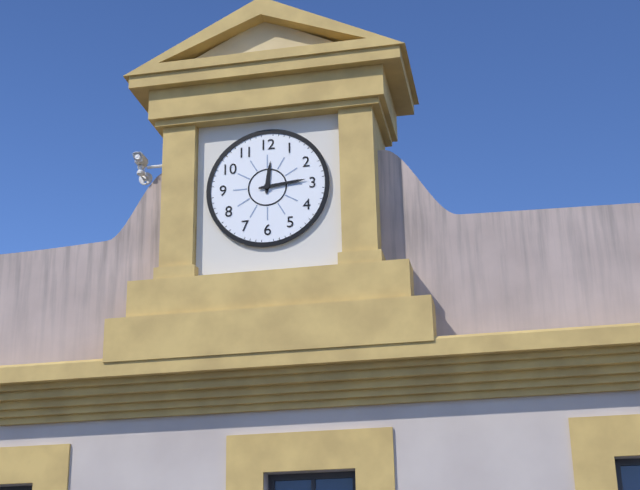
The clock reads 12,14
